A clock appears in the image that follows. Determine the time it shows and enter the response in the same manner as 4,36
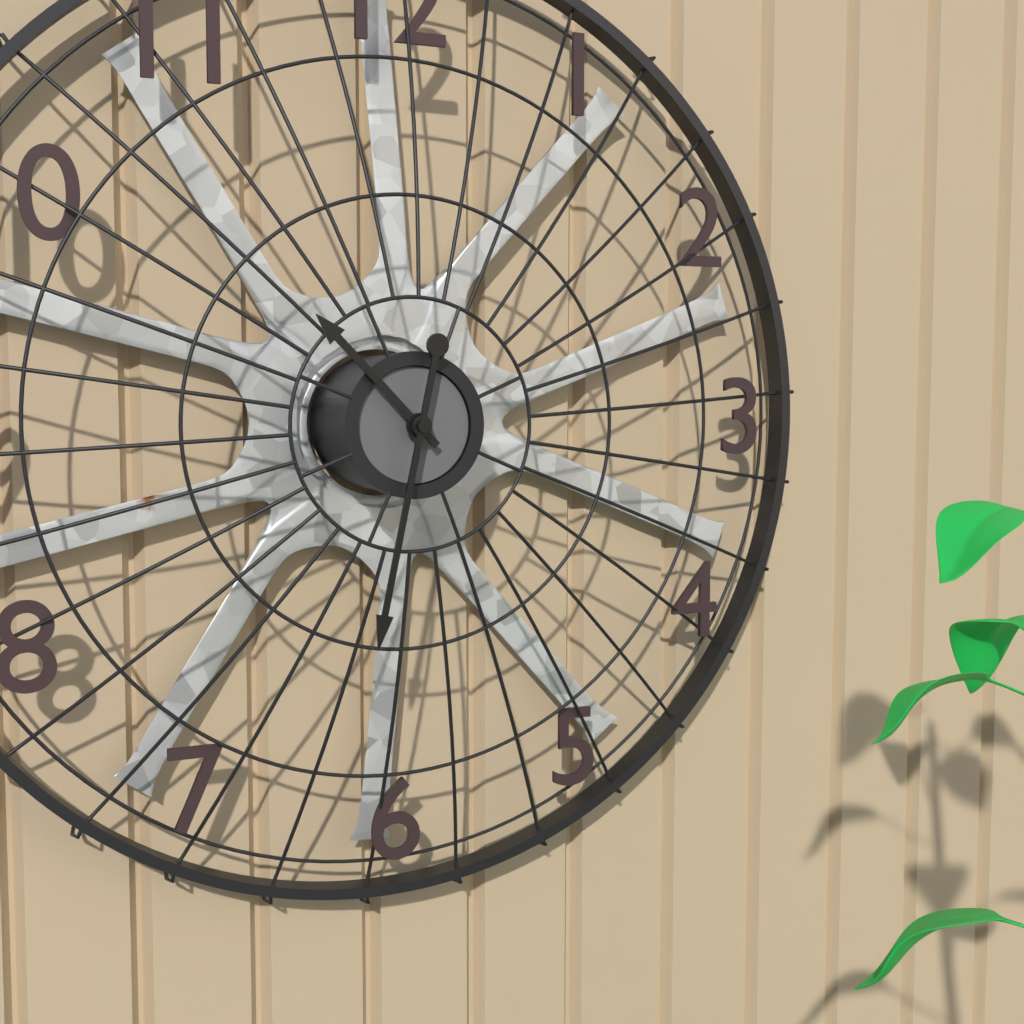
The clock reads 10,32
